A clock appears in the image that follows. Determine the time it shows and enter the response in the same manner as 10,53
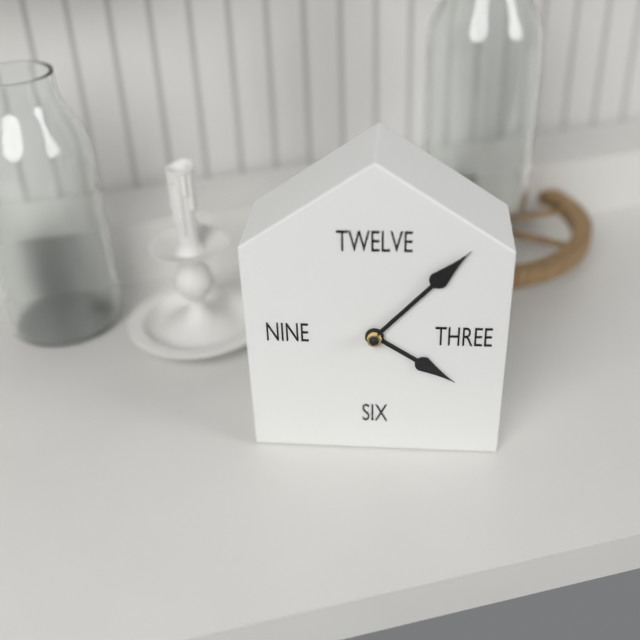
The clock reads 4,07
